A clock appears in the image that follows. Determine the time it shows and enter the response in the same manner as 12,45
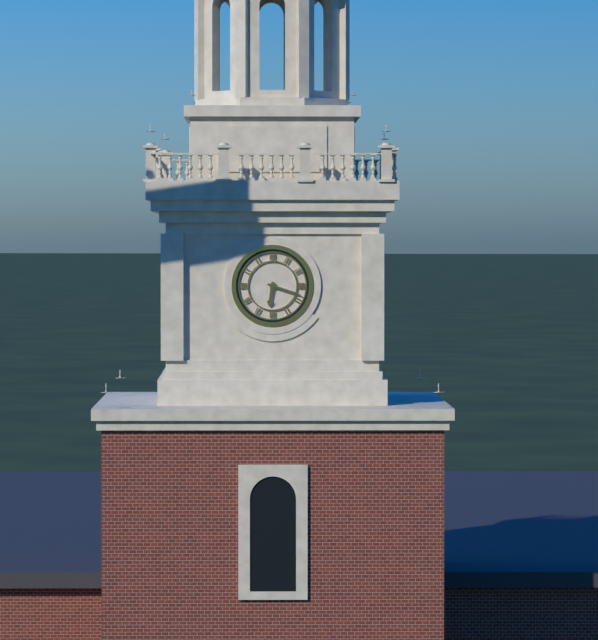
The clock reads 6,18
